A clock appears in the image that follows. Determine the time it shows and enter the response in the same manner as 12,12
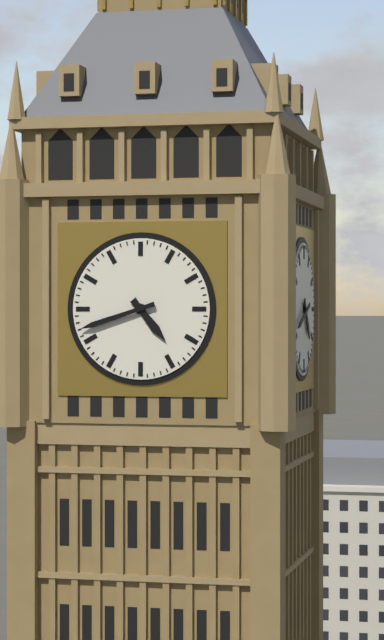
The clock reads 4,42
